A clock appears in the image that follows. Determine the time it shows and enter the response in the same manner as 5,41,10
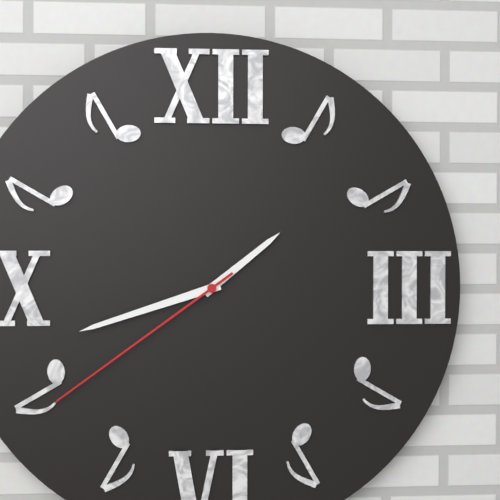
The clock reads 1,42,39
